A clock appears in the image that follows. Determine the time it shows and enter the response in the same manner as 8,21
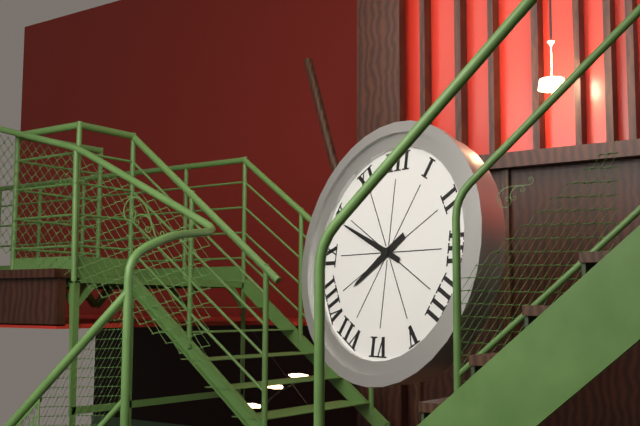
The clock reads 7,49
